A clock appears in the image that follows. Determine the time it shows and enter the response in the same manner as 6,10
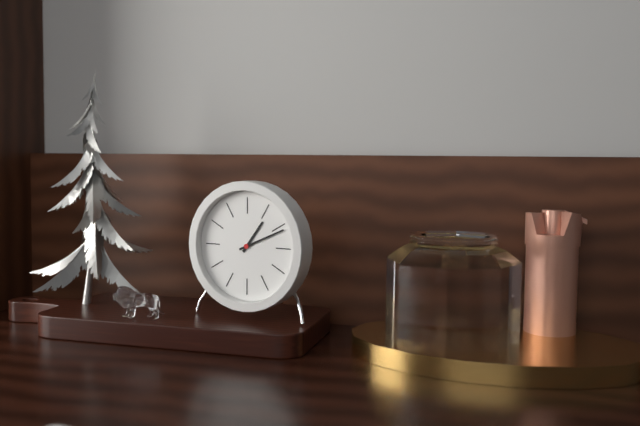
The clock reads 1,11
